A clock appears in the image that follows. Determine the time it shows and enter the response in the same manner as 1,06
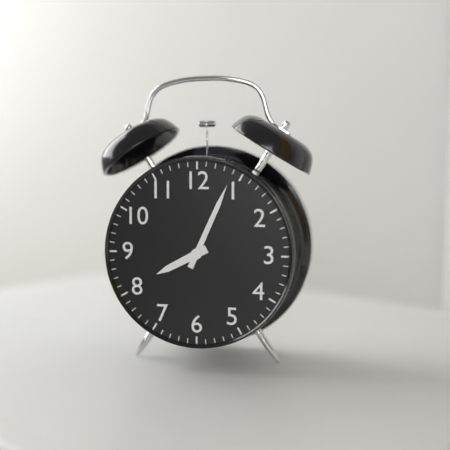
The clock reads 8,04
